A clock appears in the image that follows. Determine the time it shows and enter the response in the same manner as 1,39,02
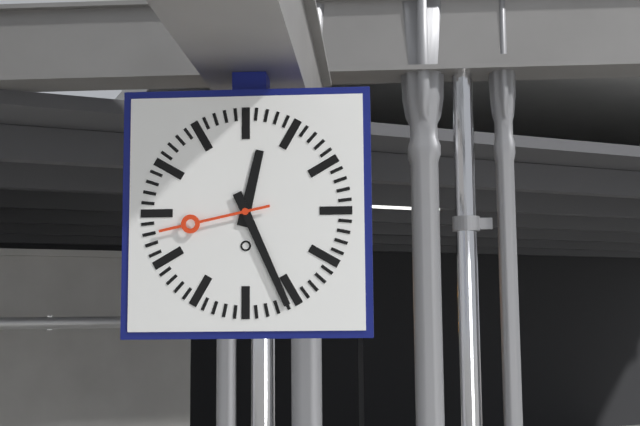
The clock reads 12,26,43
